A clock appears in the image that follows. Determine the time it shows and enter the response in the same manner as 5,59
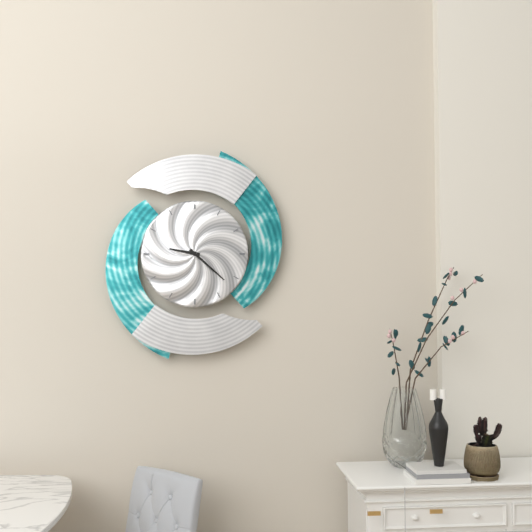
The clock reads 9,22
